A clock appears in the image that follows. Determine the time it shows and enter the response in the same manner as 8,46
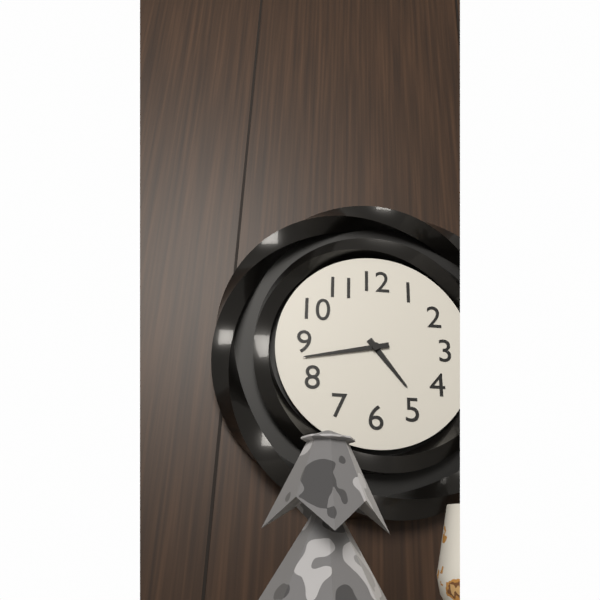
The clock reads 4,43
